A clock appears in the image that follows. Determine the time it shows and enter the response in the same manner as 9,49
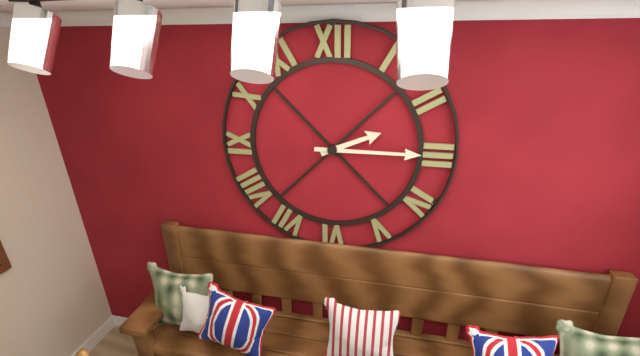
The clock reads 2,15
